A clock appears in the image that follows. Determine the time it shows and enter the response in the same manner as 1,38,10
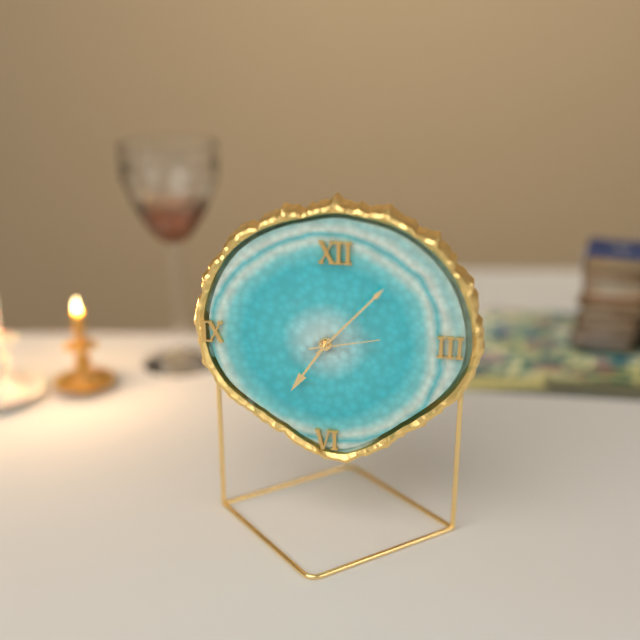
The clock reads 7,07,13
